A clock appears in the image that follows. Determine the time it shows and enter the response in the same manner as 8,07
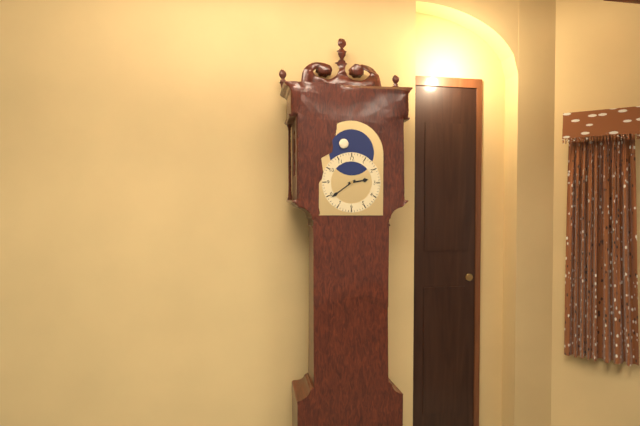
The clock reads 2,39
